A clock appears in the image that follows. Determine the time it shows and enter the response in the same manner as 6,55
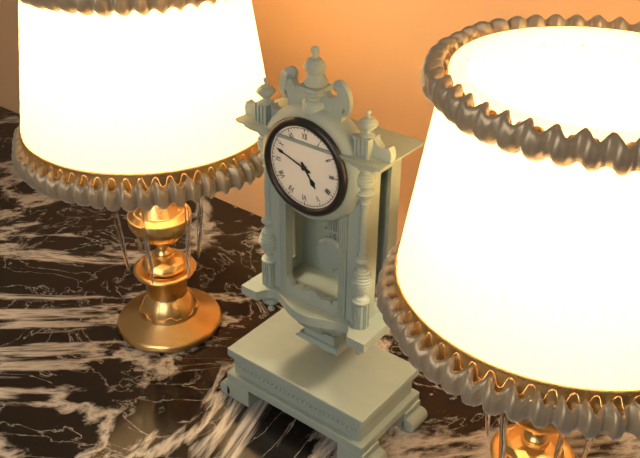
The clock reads 4,48
